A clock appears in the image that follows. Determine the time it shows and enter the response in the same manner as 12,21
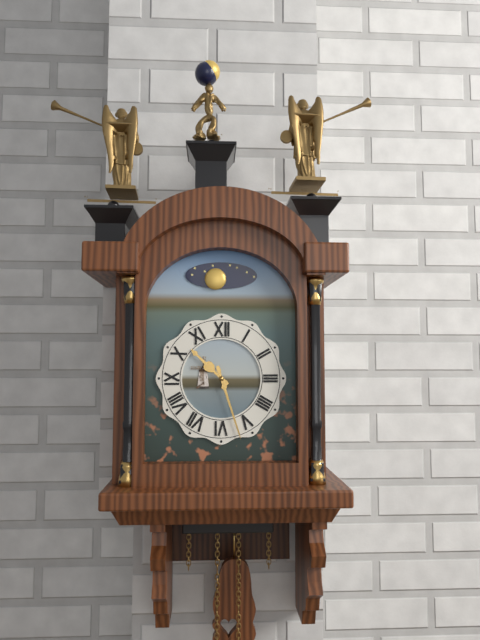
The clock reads 10,27
